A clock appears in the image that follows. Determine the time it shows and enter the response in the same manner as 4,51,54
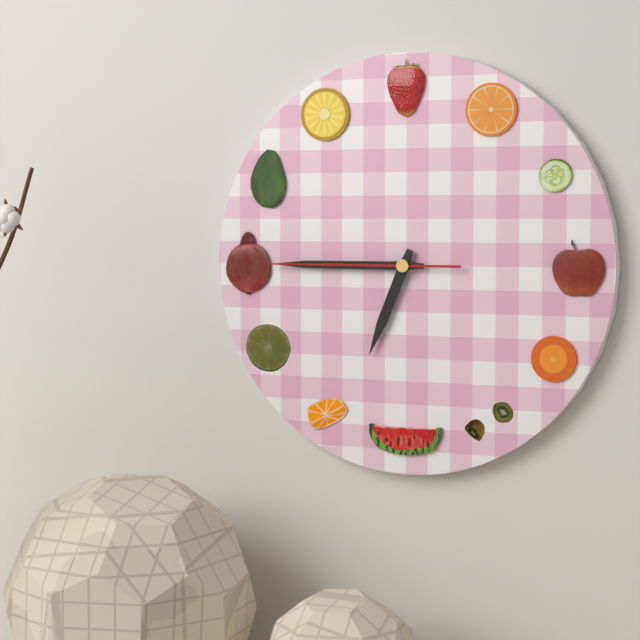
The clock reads 6,45,45
